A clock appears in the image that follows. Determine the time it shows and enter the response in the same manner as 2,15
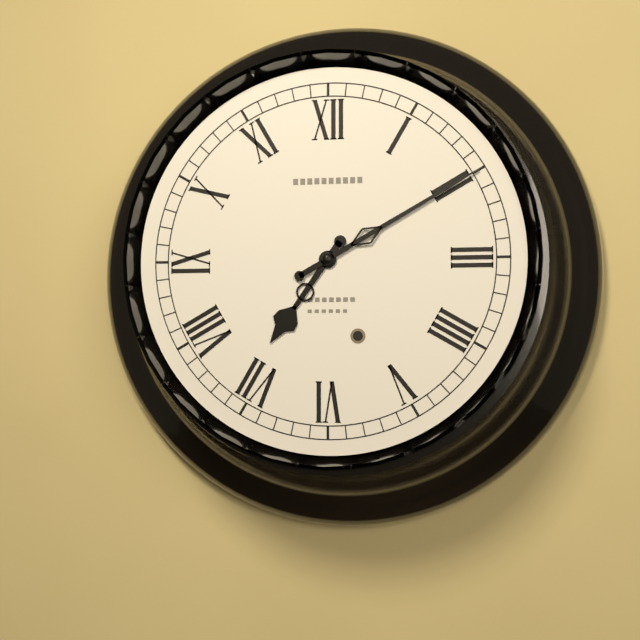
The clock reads 7,10
